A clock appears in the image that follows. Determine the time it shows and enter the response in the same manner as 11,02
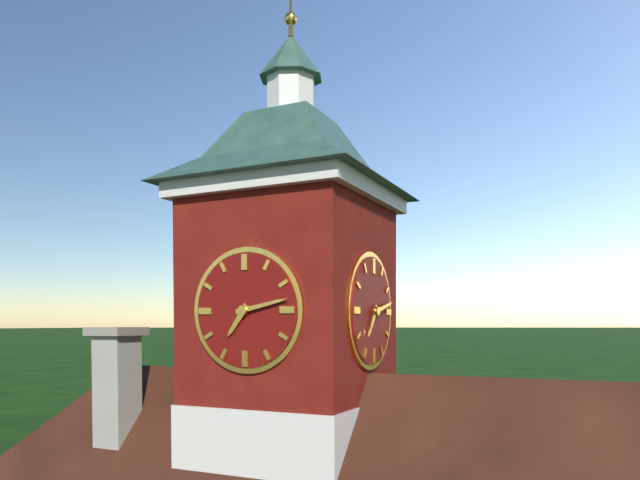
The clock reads 7,13
